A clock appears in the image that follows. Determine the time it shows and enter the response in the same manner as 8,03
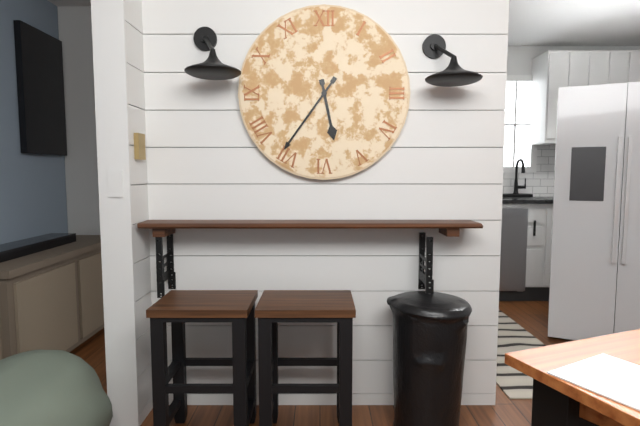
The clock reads 5,36
